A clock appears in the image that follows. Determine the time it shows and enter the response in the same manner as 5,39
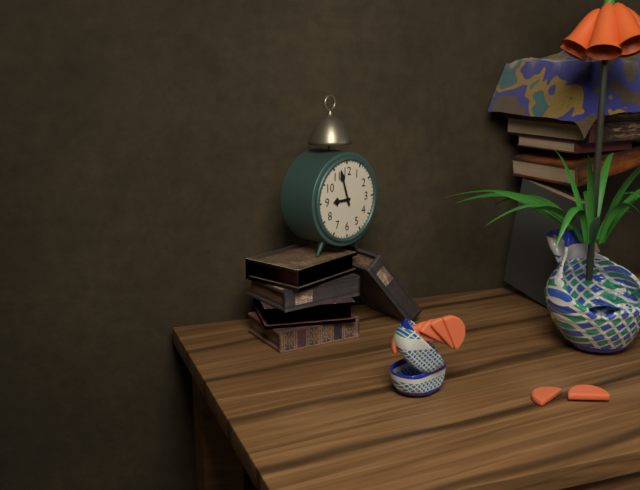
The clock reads 8,57
